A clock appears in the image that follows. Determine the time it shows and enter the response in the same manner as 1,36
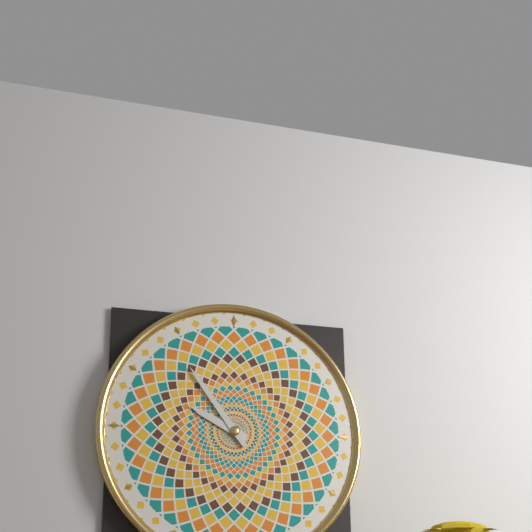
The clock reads 9,54
